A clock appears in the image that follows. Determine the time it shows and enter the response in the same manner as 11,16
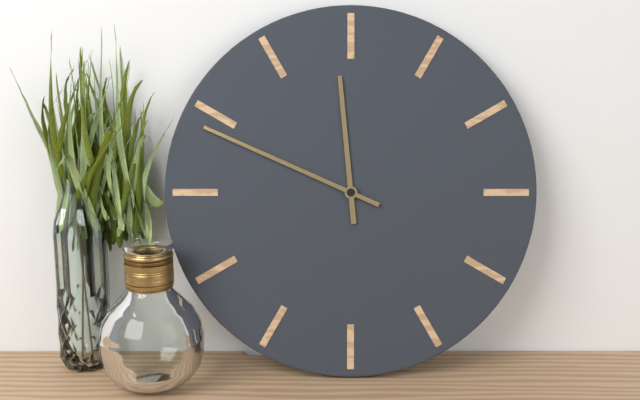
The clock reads 11,49
